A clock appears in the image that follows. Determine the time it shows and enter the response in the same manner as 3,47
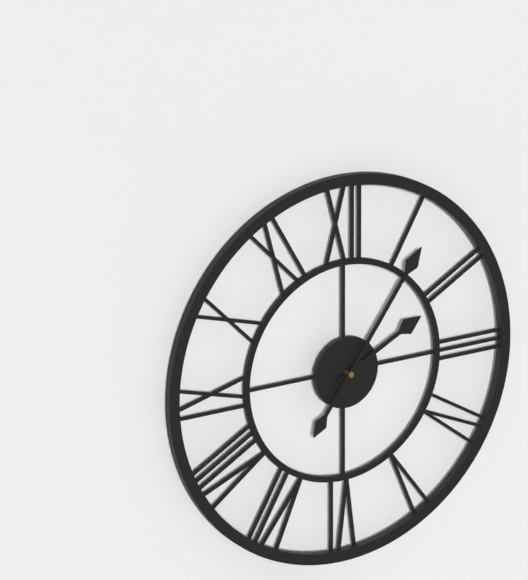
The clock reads 2,06
